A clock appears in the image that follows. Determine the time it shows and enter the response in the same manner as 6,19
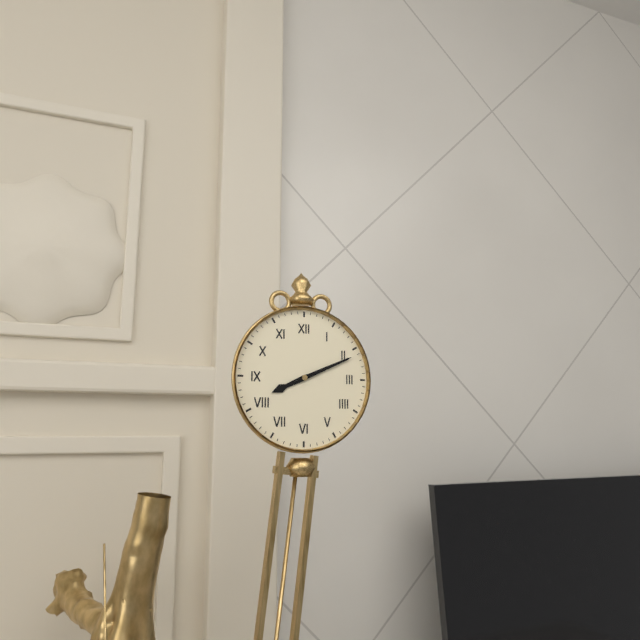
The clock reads 8,11
